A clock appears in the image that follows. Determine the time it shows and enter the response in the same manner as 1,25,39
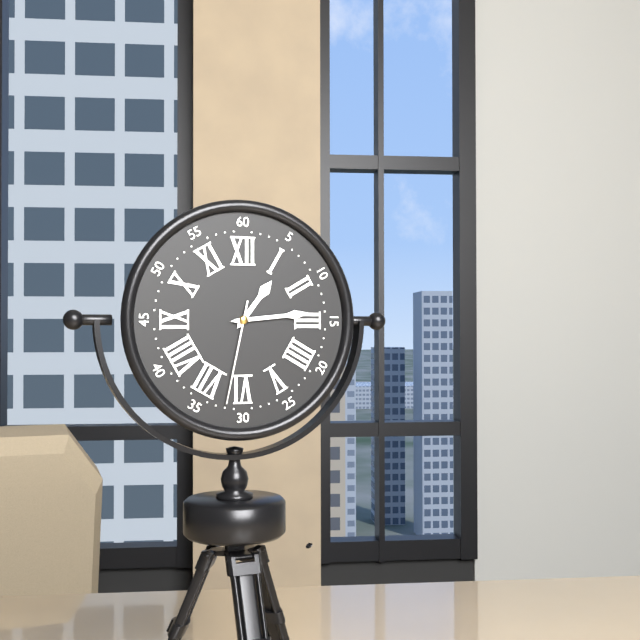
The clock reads 1,14,32
